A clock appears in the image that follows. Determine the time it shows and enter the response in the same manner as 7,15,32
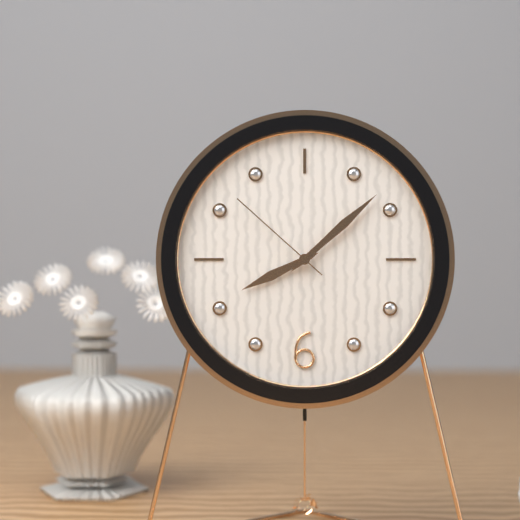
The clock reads 8,08,52
